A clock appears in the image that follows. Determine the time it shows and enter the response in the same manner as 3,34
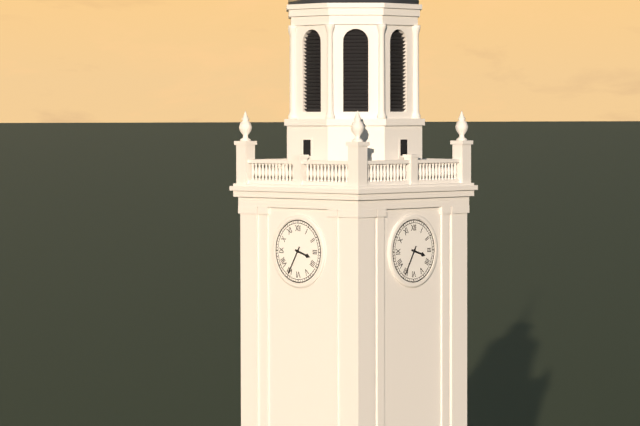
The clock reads 3,35
